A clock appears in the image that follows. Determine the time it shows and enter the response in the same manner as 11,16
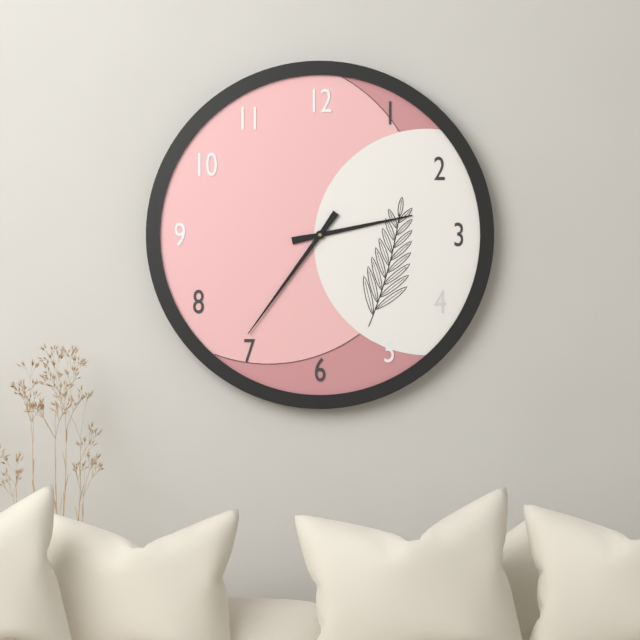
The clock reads 2,36
